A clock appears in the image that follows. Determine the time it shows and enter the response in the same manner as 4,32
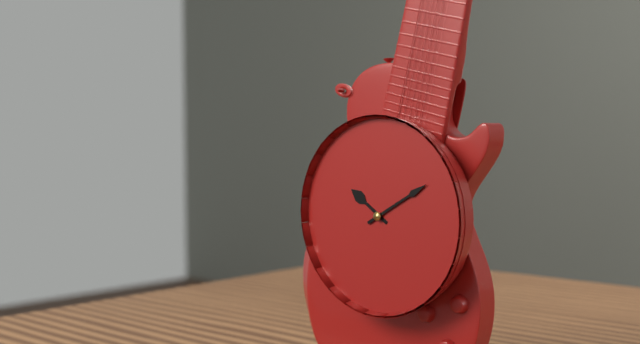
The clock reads 10,10
